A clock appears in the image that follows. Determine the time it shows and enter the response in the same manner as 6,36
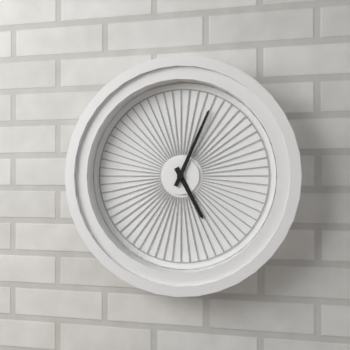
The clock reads 5,04
